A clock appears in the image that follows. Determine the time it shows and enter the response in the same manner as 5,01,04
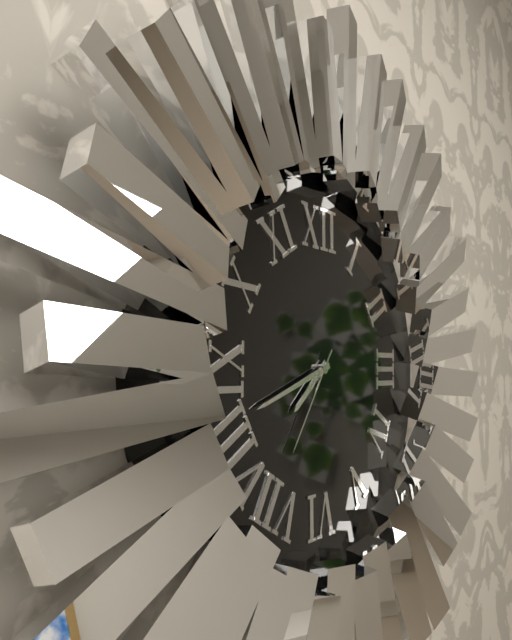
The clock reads 7,42,36
